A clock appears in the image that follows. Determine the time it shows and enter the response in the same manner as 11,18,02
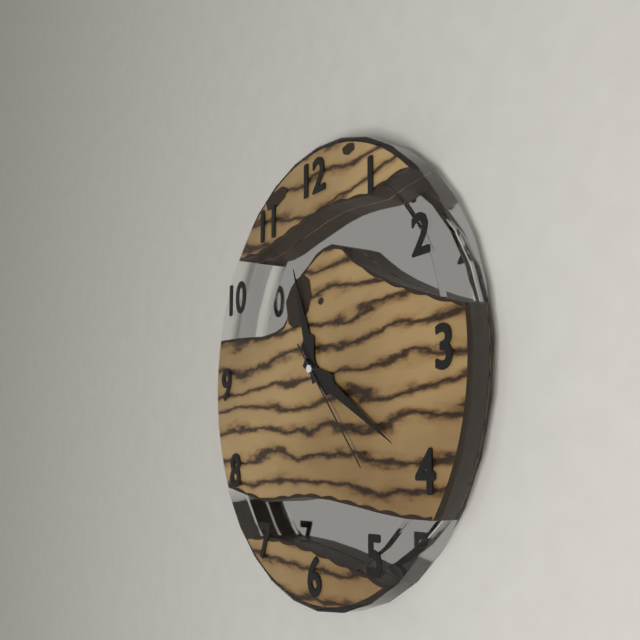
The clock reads 11,20,23
